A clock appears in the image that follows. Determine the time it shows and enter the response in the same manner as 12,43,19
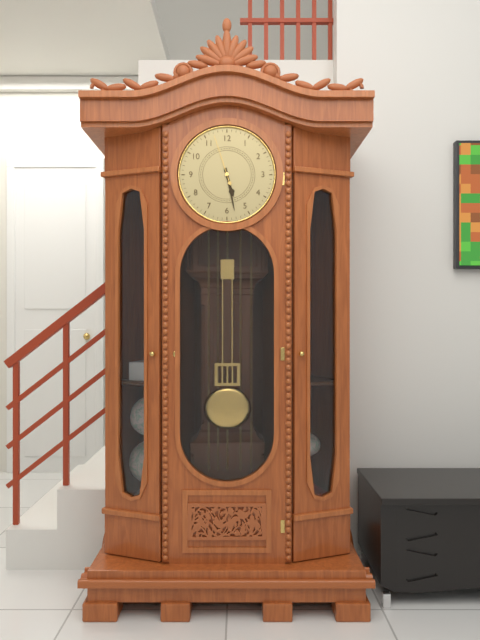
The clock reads 5,28,57
